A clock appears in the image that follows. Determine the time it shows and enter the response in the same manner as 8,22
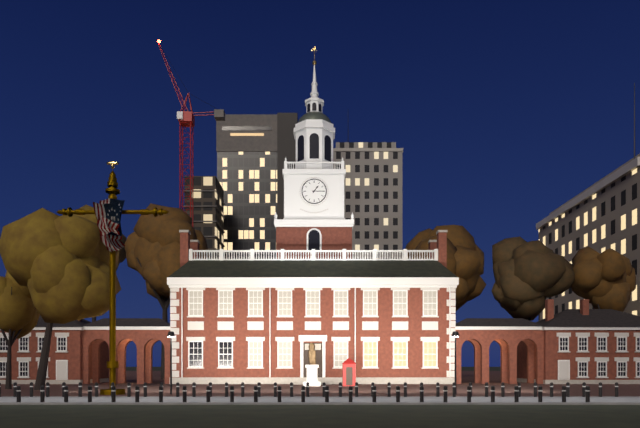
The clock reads 1,15
